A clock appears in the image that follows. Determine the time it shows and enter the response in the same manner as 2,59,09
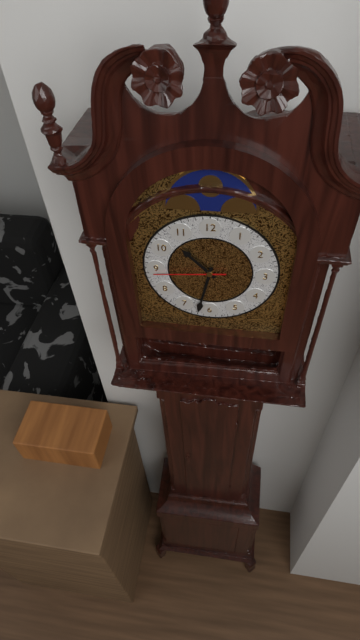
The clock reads 10,32,44
